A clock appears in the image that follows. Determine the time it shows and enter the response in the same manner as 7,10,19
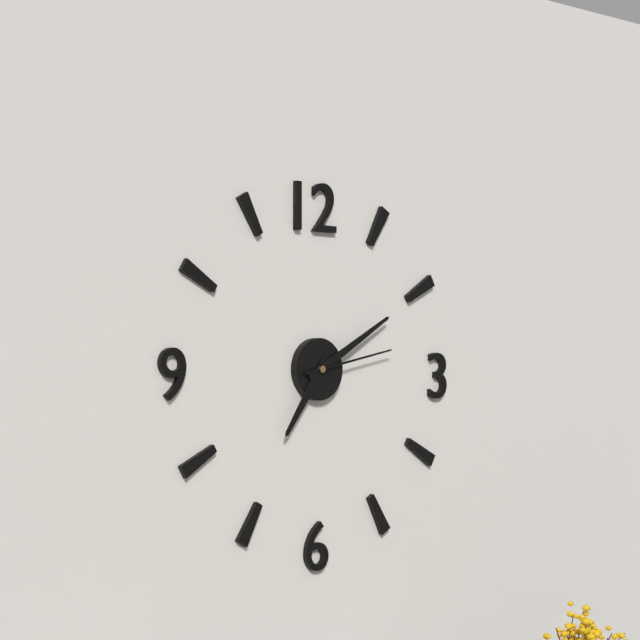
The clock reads 7,10,13
